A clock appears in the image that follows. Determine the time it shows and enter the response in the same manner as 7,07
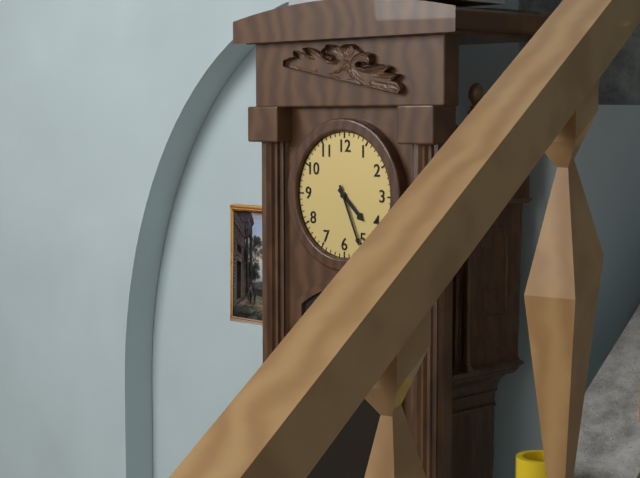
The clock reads 4,26
